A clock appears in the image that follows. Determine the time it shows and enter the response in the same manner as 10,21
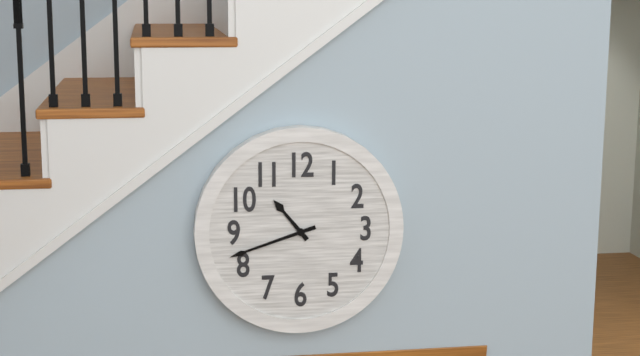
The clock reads 10,42
